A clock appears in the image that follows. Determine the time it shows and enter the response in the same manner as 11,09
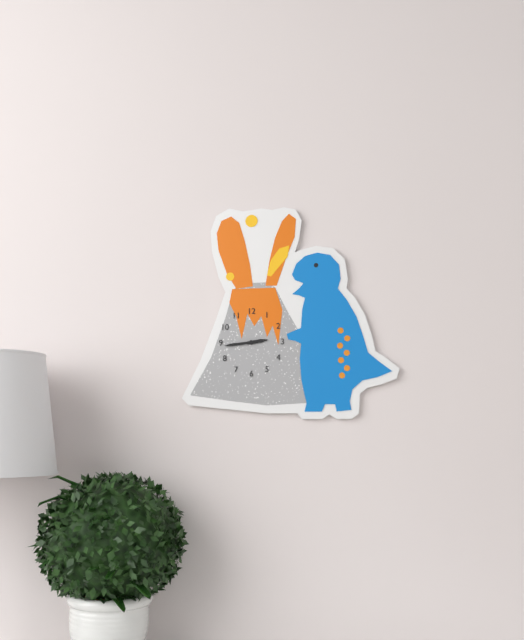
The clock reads 2,44
